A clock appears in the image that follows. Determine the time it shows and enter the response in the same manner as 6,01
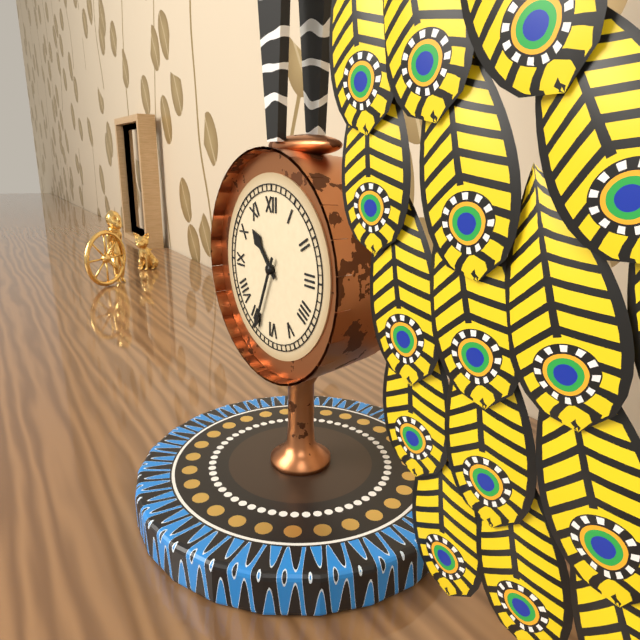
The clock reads 10,34
